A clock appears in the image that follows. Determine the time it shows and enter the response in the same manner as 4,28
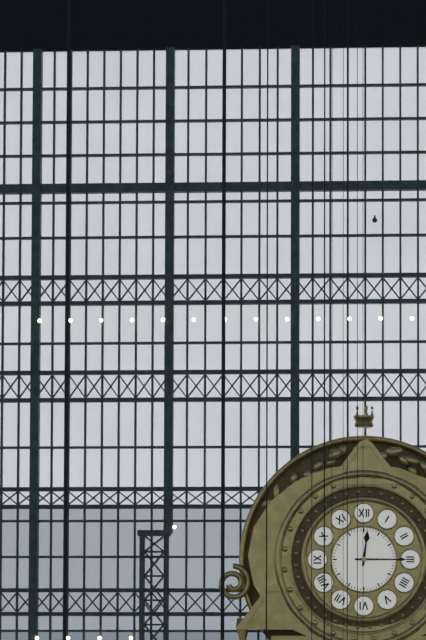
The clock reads 12,15
